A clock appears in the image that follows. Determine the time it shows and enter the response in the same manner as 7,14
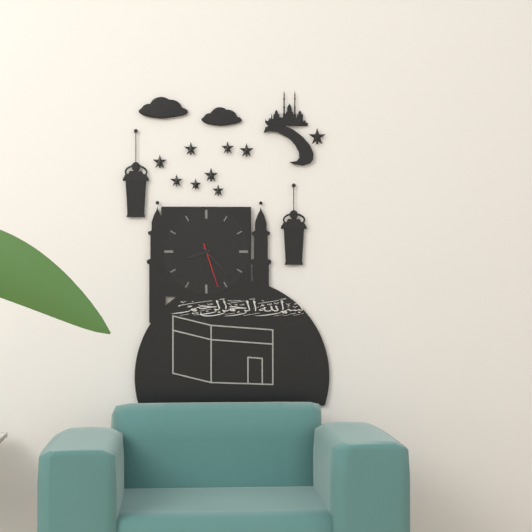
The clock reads 8,23
